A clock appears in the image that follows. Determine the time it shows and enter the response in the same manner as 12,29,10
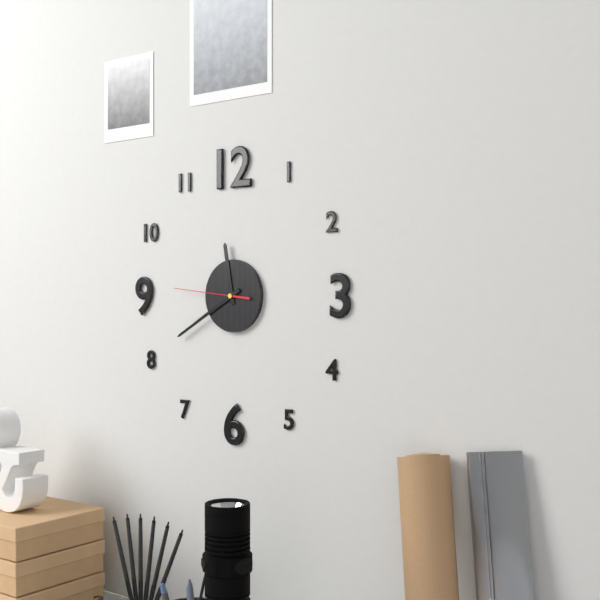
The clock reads 11,40,46
